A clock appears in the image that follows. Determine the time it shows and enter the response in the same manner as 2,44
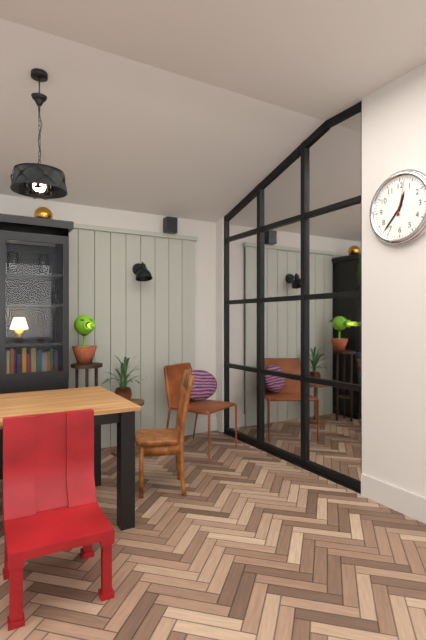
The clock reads 12,37
